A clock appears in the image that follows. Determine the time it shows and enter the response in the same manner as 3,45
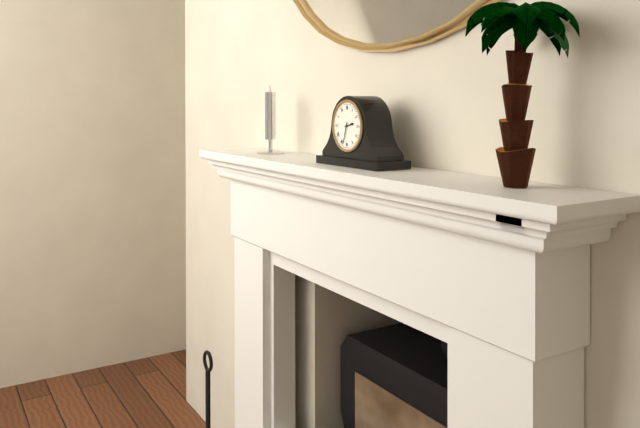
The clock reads 2,33
